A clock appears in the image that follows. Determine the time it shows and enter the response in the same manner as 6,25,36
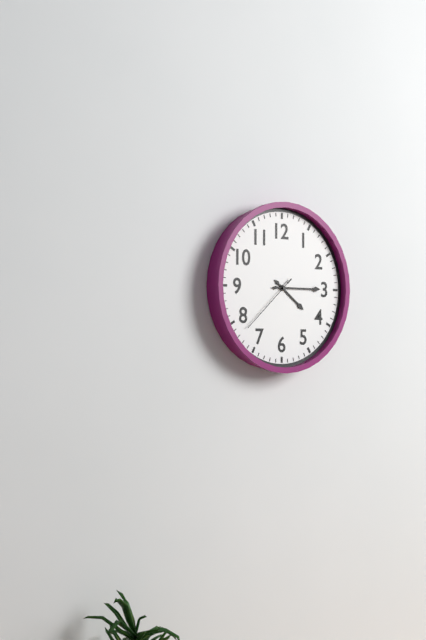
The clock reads 4,15,38
